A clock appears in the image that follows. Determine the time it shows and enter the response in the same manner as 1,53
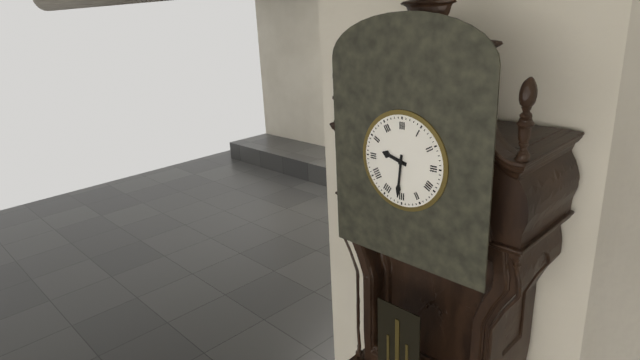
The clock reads 9,31
